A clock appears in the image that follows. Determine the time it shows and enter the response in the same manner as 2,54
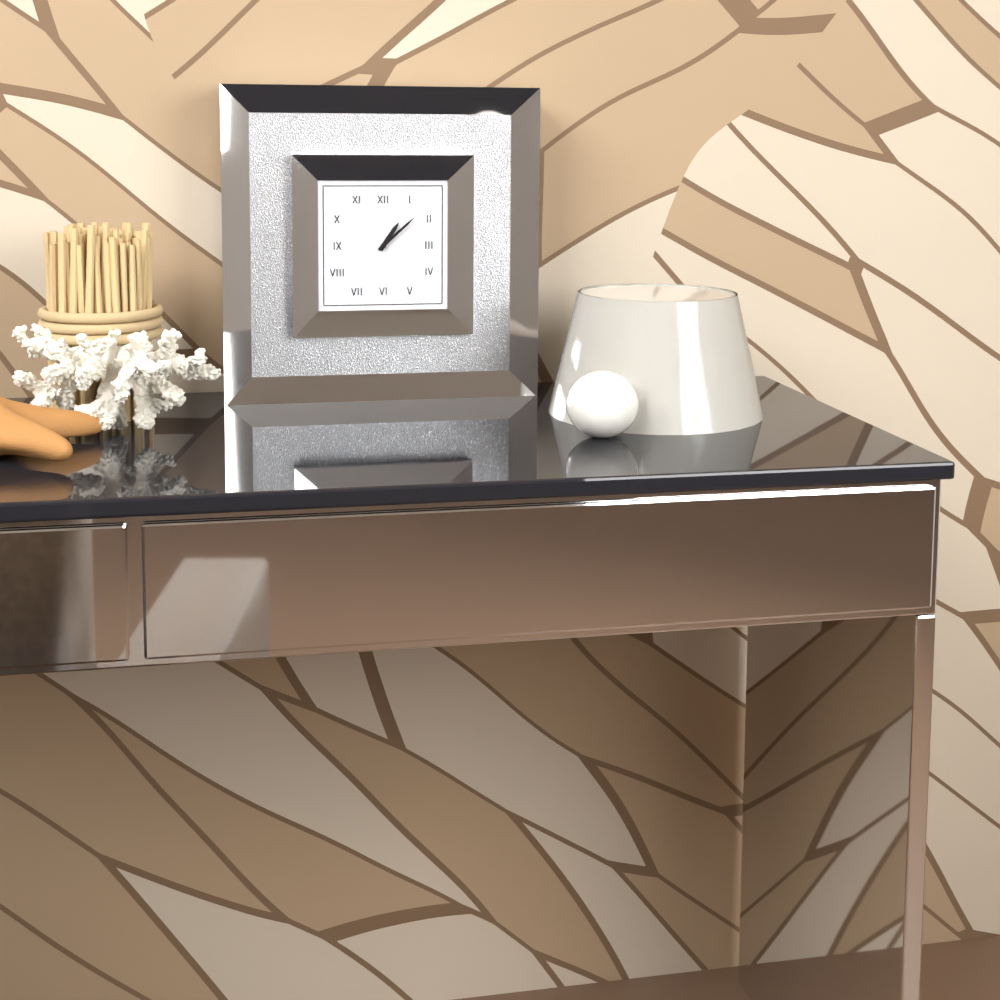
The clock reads 1,08
